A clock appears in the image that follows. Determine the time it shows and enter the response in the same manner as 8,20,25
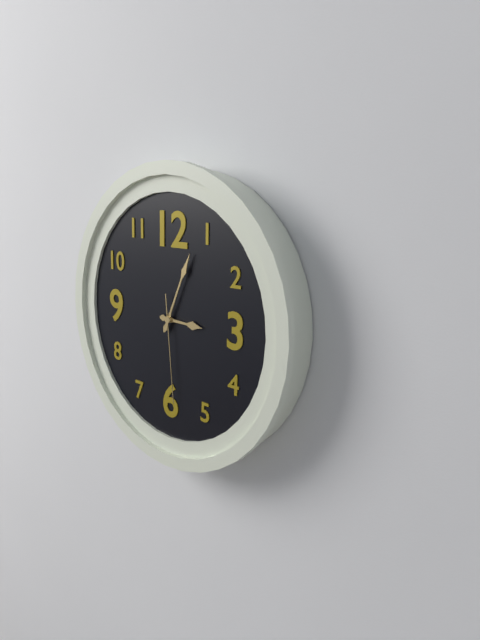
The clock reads 3,04,29
